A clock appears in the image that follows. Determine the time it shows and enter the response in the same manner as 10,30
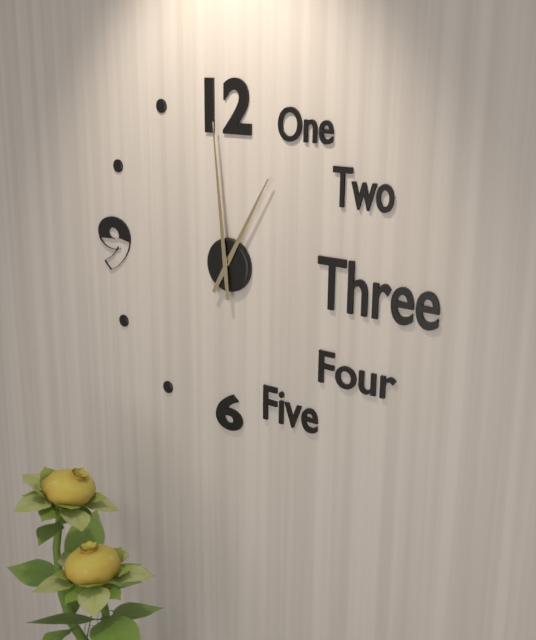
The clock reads 12,59
